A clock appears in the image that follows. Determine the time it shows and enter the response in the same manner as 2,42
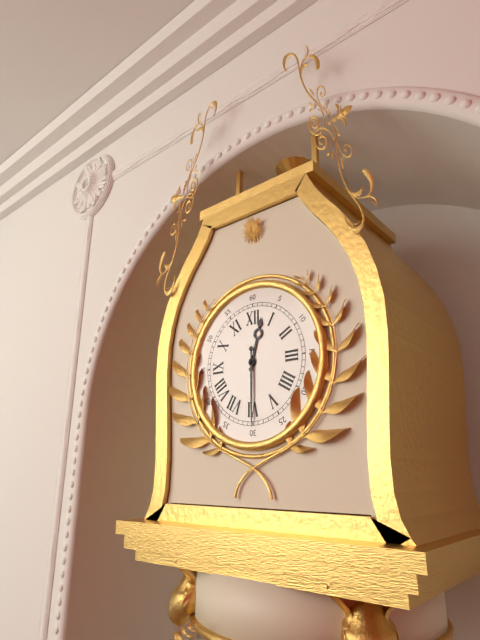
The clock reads 12,30
